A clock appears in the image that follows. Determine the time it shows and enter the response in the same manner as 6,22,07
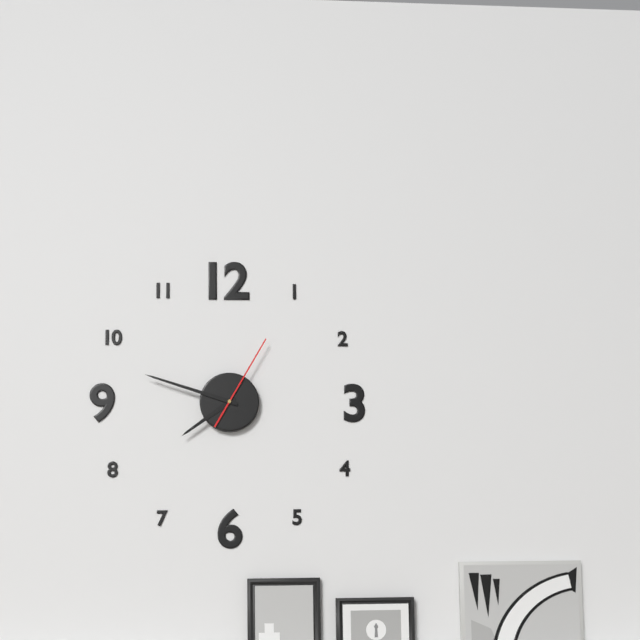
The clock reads 7,48,05
